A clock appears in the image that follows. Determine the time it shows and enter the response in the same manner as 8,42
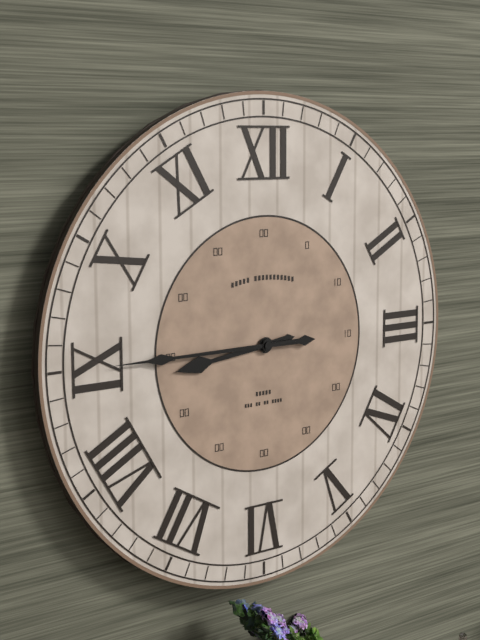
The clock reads 8,45
